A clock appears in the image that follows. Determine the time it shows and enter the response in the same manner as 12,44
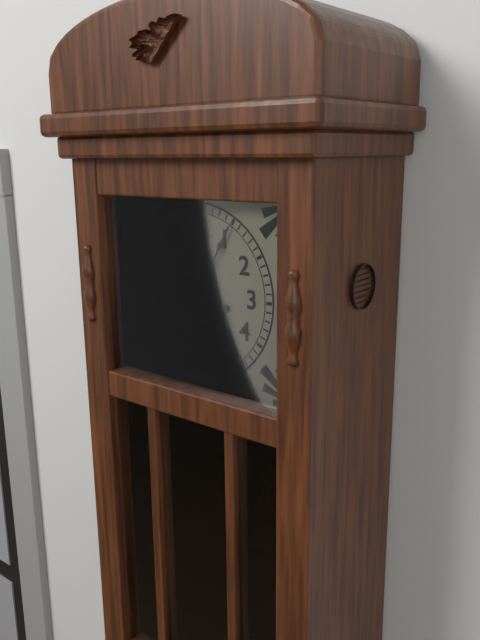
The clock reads 7,05
